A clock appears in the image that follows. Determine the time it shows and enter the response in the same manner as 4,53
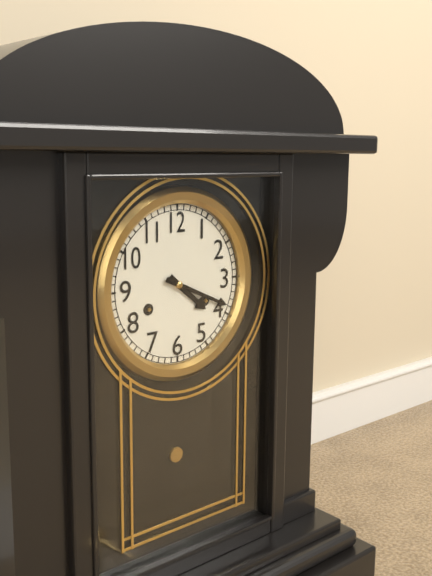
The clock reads 4,19
